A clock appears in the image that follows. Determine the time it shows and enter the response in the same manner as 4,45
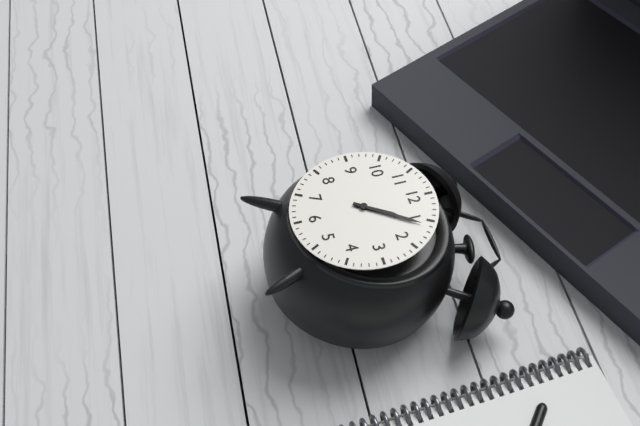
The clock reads 1,06
